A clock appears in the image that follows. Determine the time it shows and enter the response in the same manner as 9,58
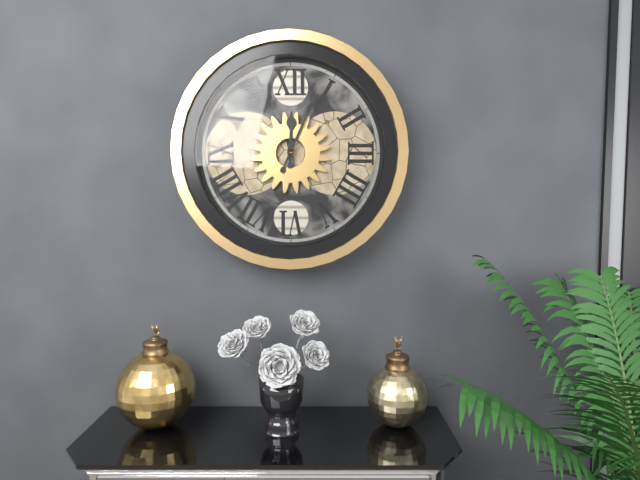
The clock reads 12,04
